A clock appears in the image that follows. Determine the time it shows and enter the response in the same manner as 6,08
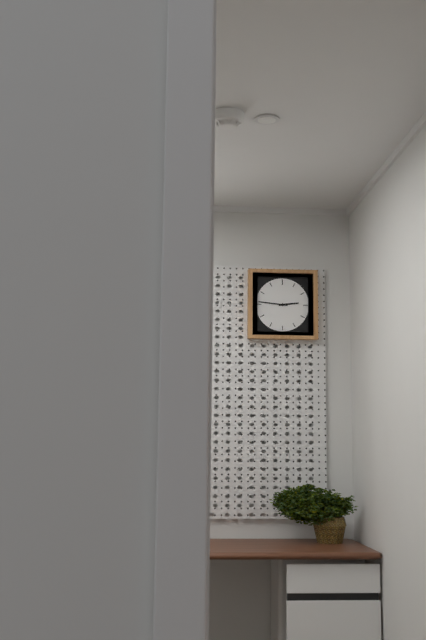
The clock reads 2,46
